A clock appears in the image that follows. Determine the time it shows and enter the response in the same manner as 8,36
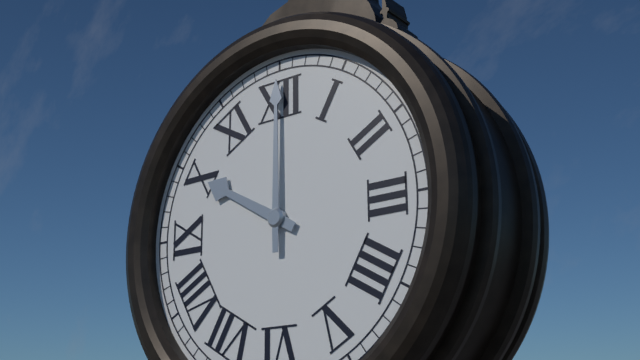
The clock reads 10,00
